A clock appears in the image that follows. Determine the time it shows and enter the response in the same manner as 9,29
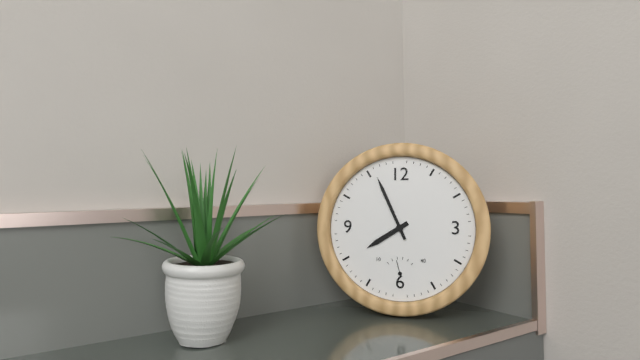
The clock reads 7,56
